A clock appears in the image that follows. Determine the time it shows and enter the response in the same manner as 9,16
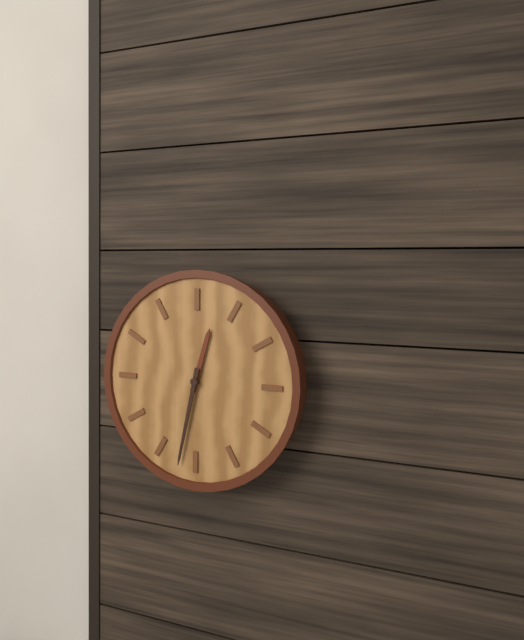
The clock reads 12,32
